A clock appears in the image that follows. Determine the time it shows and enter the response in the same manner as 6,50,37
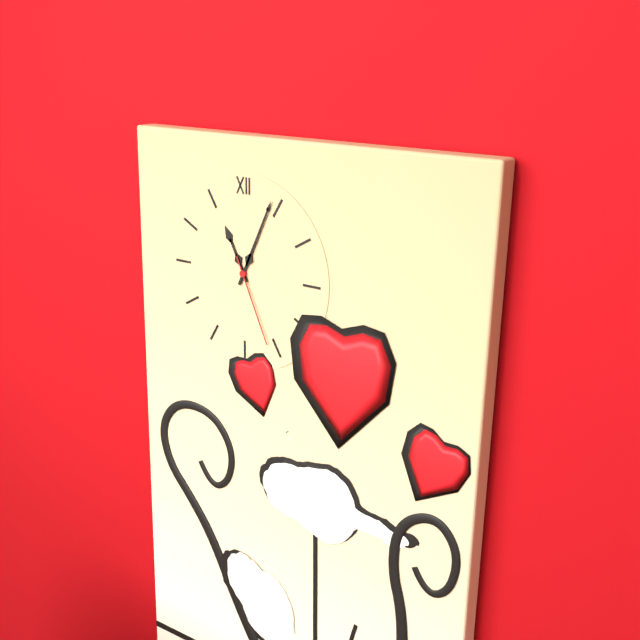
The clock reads 11,04,26
